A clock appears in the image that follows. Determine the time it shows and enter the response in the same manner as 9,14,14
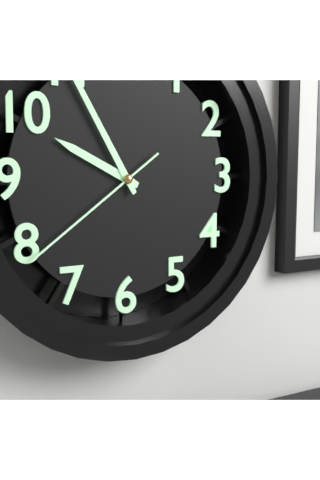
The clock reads 9,55,39
